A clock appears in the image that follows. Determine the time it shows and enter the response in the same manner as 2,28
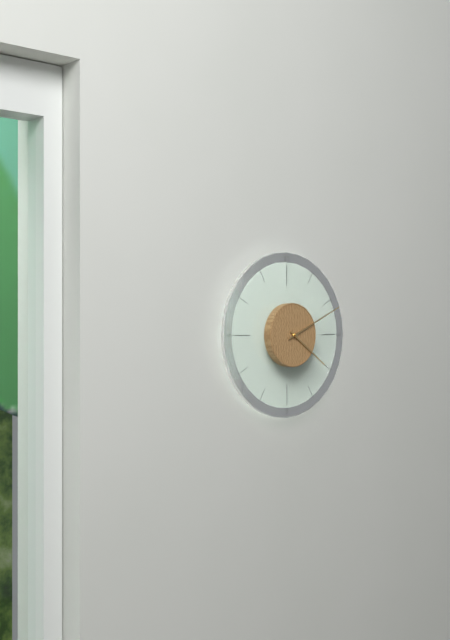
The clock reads 4,11
